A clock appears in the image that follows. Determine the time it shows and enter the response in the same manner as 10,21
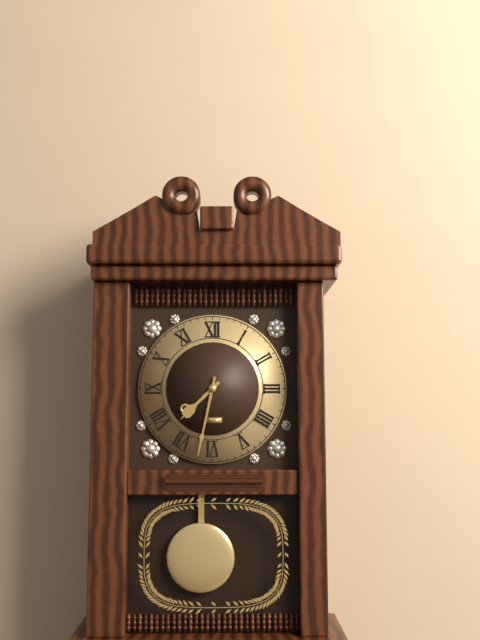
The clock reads 7,32
